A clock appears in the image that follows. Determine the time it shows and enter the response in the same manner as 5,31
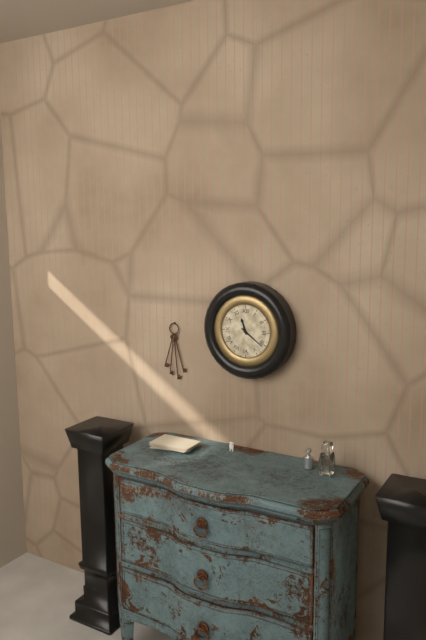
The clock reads 11,21
